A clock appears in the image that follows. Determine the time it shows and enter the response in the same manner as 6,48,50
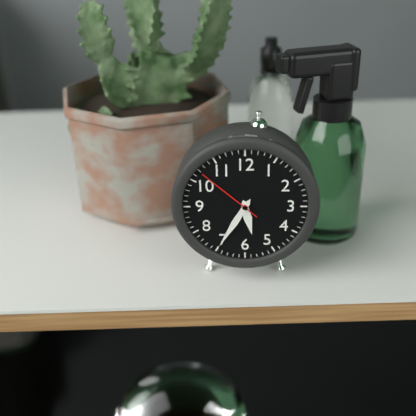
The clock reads 5,35,52
